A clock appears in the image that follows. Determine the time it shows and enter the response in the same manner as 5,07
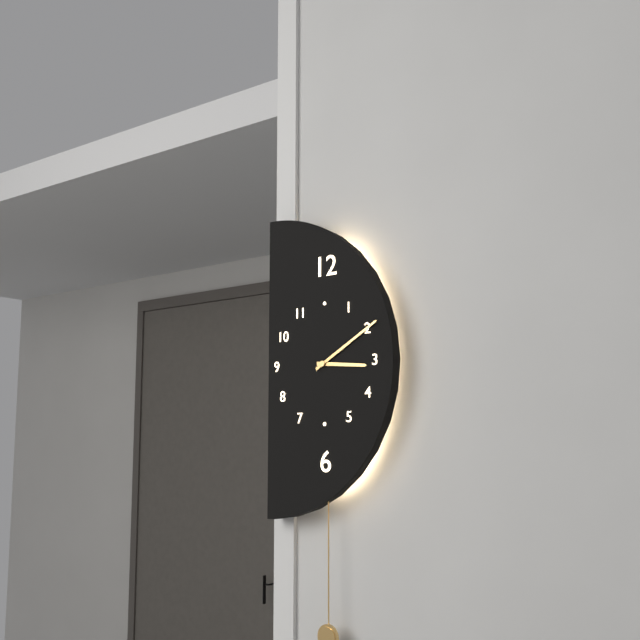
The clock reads 3,10
